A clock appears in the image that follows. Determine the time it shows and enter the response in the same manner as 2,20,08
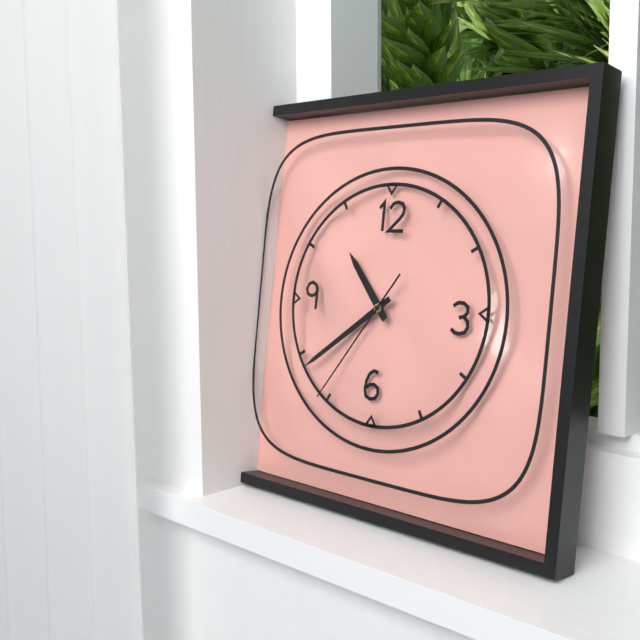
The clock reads 10,39,36
